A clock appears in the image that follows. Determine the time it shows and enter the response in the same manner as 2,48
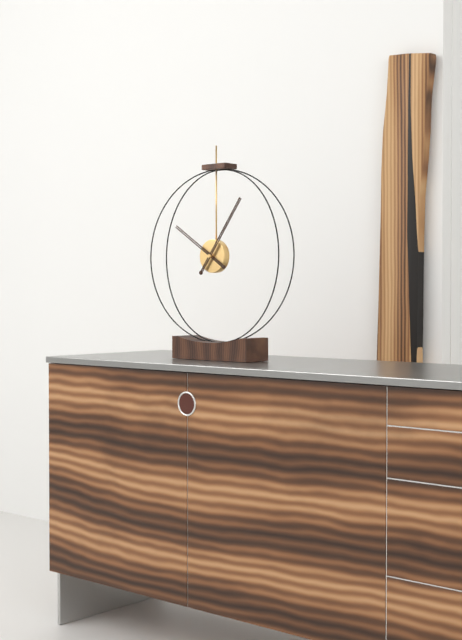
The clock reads 10,06
